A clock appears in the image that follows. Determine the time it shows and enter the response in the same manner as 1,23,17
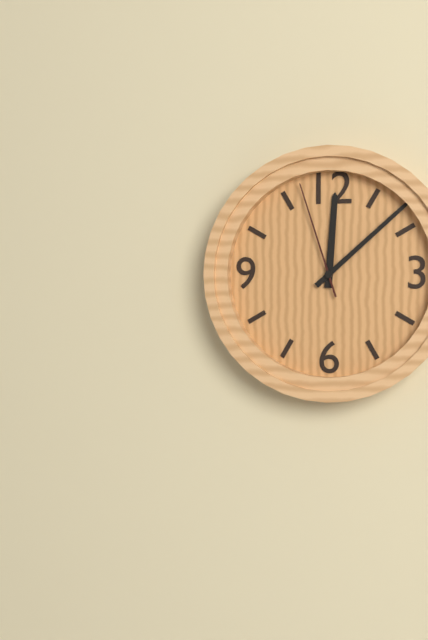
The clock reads 12,08,57
